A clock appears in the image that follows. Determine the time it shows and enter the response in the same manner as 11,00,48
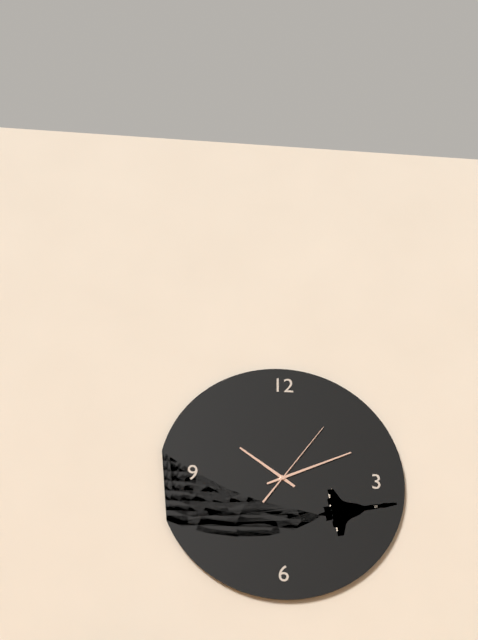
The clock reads 10,11,06
